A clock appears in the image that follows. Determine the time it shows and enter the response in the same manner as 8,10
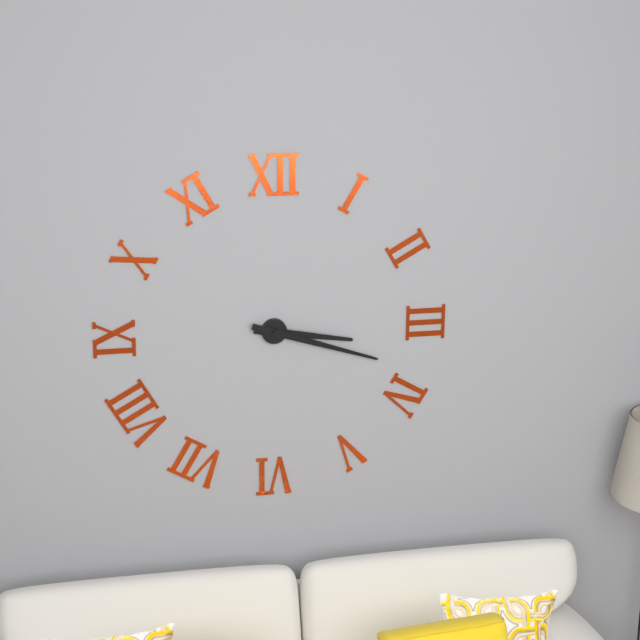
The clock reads 3,18
